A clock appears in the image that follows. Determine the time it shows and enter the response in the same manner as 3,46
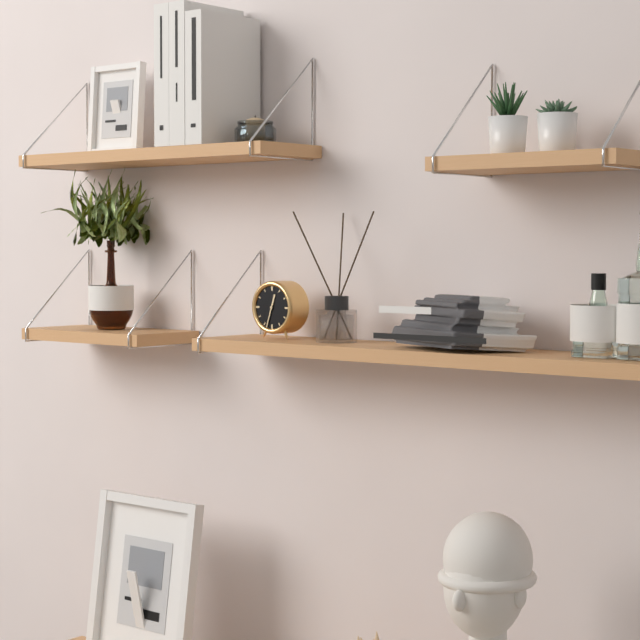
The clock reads 12,33
